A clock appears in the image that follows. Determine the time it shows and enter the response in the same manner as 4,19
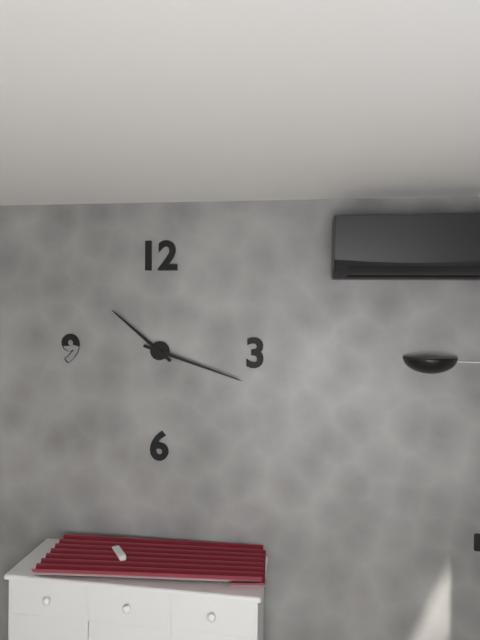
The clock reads 10,18
